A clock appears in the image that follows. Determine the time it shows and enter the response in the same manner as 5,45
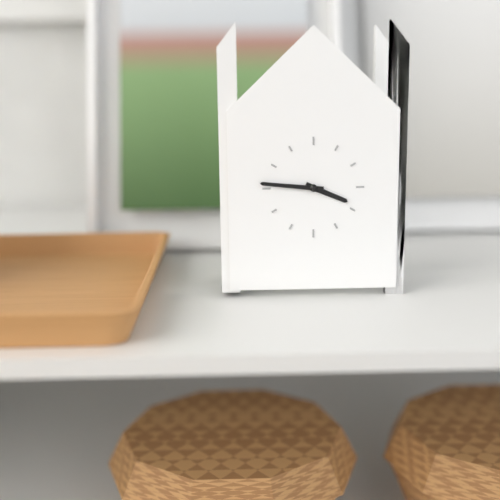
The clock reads 3,46
